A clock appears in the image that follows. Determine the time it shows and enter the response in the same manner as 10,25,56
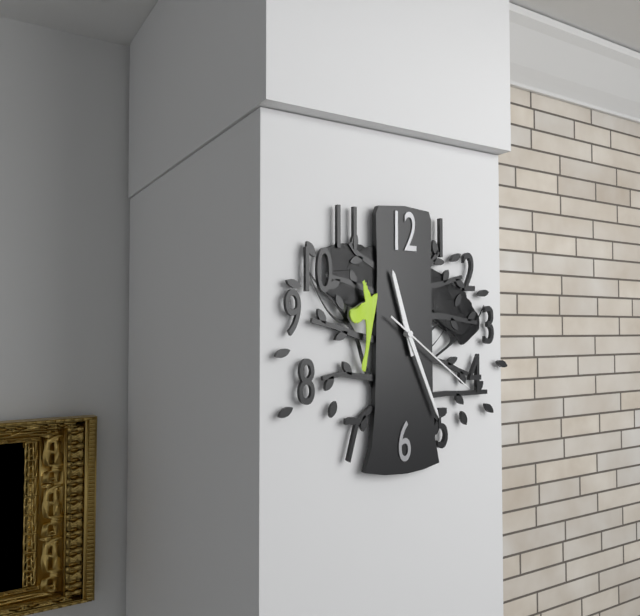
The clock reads 11,26,21
